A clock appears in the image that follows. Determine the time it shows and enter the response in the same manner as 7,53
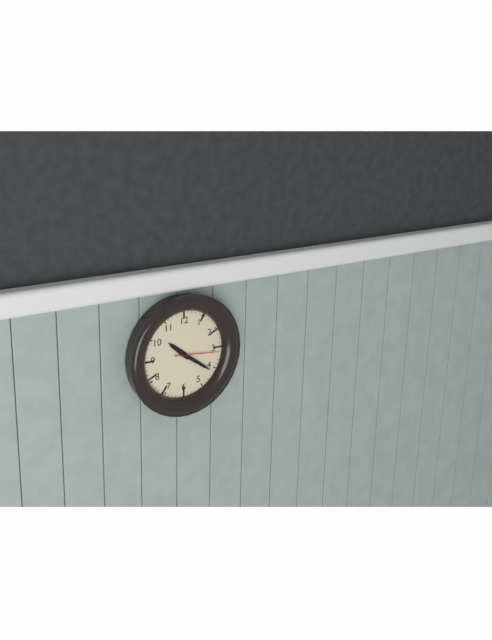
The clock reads 10,21
